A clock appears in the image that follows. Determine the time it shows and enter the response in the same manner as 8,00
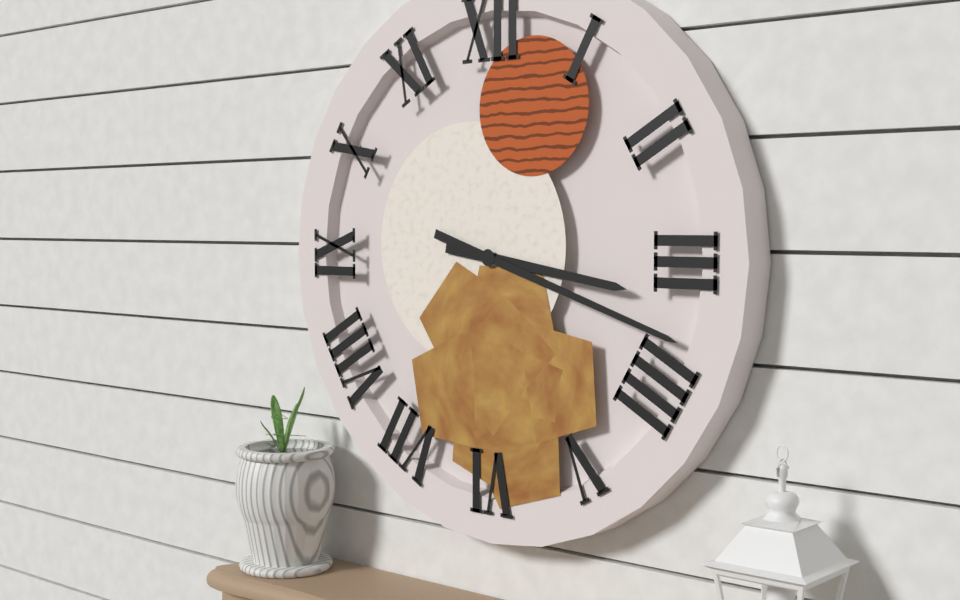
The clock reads 3,18
